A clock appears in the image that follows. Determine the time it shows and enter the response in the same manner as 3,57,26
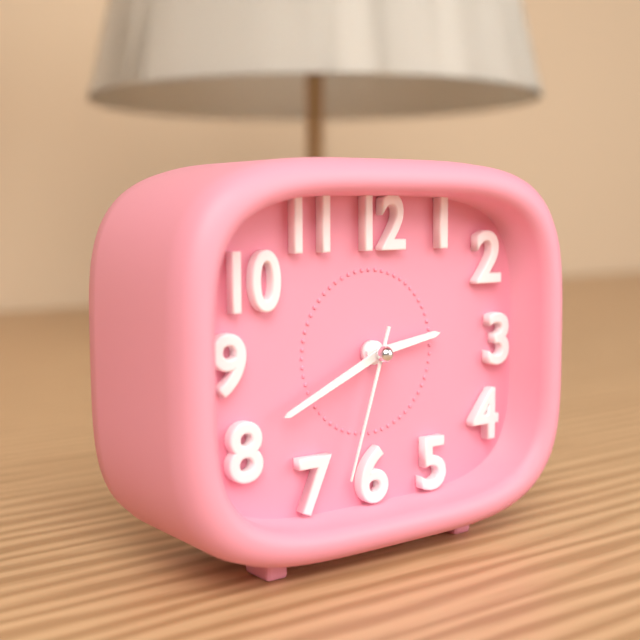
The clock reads 2,41,33
